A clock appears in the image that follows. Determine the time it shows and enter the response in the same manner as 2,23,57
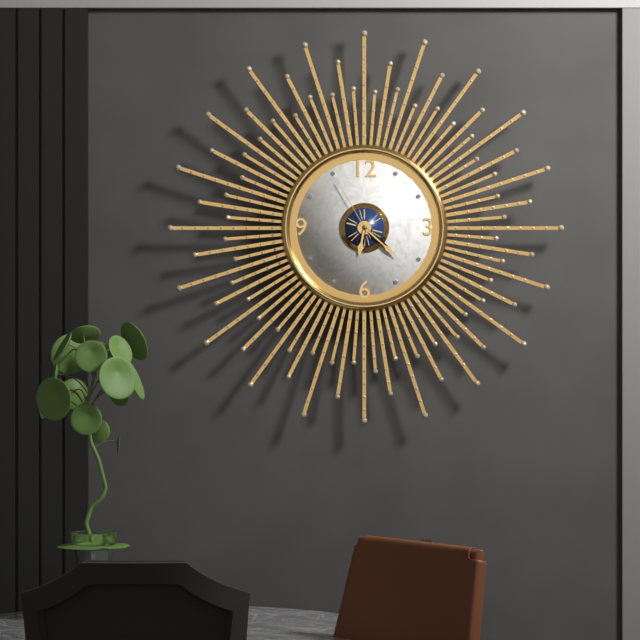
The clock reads 6,22,55
